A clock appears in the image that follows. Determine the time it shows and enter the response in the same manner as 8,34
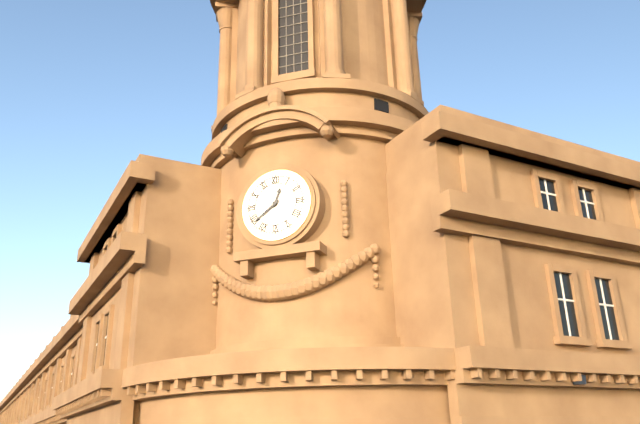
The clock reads 12,39
